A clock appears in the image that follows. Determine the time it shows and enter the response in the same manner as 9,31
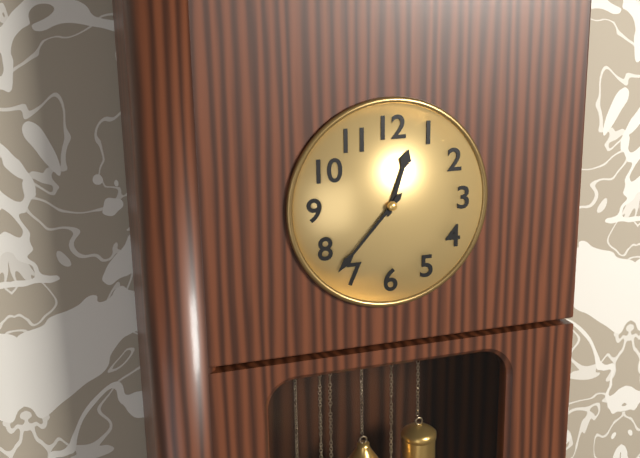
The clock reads 12,37
